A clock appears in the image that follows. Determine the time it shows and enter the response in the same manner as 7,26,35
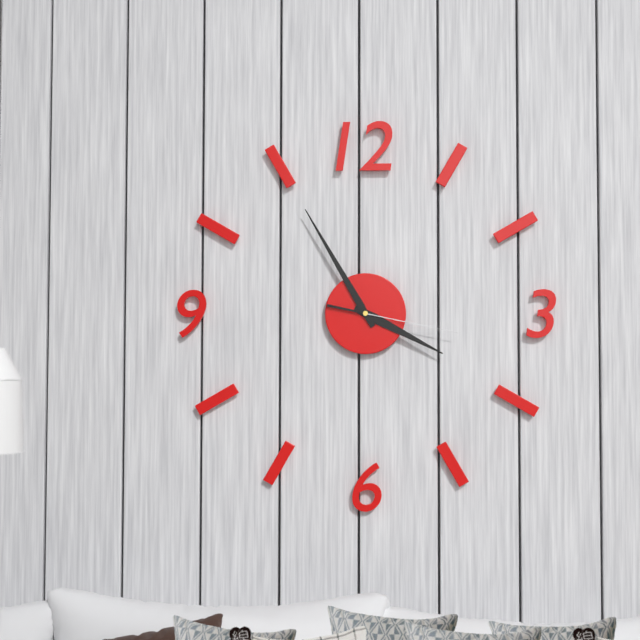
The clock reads 3,55,17
